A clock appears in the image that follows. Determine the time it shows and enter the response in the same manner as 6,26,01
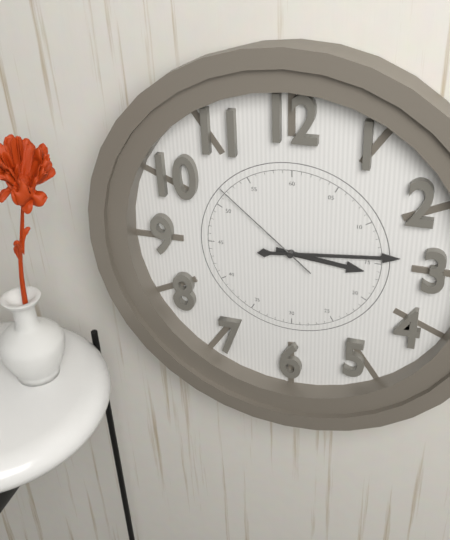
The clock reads 3,14,52
